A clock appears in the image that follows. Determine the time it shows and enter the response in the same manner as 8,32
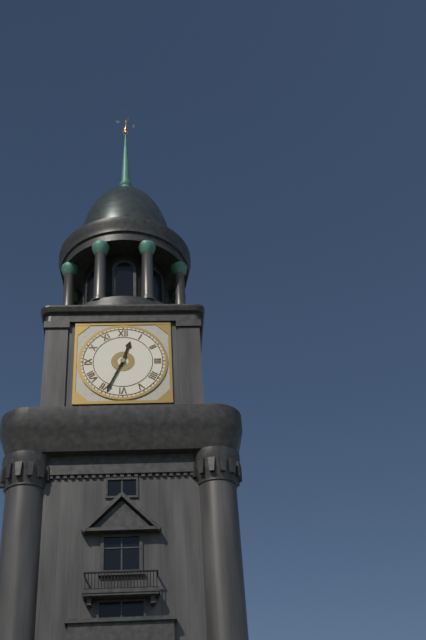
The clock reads 12,34
